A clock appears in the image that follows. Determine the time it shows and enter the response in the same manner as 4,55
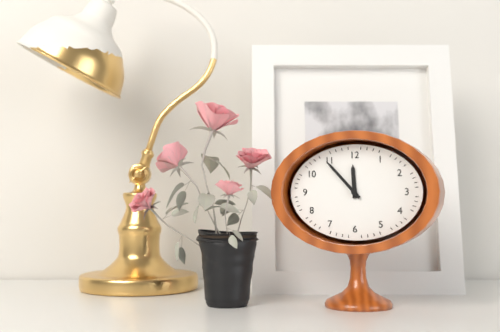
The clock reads 11,53
